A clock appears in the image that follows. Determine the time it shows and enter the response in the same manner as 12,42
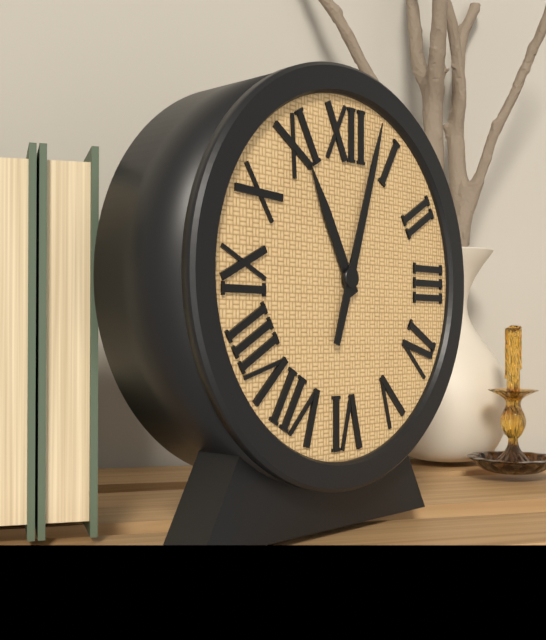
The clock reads 11,03
